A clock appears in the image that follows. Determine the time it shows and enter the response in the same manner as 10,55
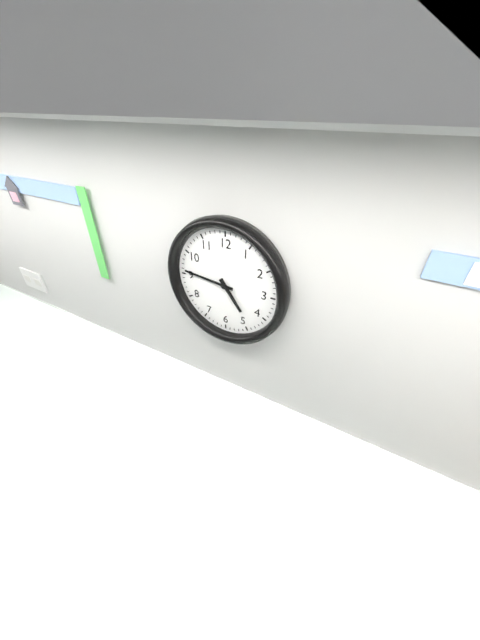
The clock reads 4,46
